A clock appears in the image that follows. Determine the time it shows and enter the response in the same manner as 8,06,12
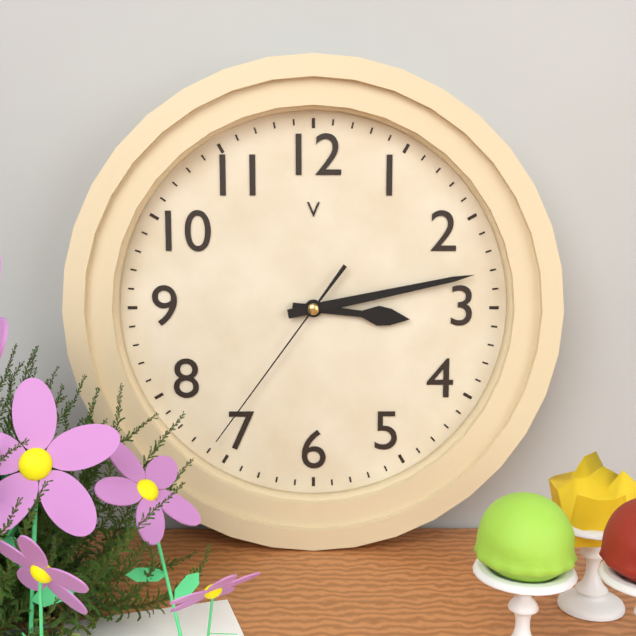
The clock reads 3,13,36
